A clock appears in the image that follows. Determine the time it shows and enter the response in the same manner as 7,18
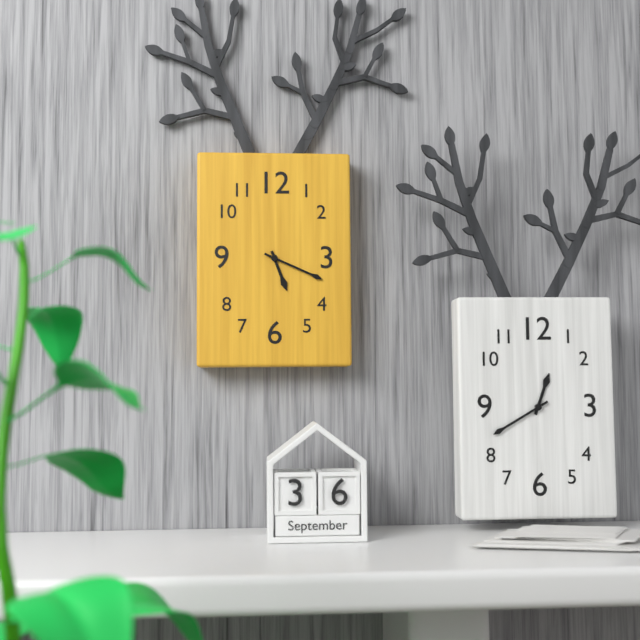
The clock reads 5,19
